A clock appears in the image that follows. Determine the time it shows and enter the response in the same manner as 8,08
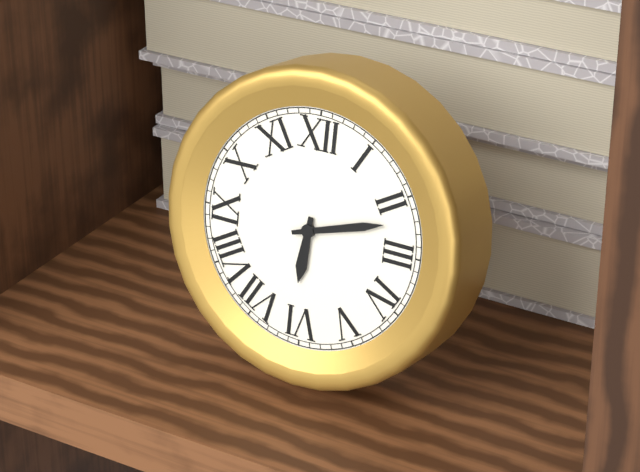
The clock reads 6,12
